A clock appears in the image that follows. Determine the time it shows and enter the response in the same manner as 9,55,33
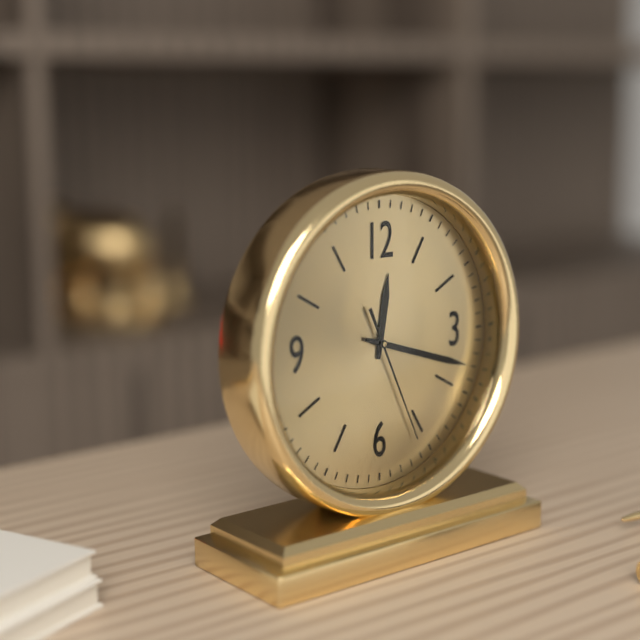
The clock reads 12,18,26
